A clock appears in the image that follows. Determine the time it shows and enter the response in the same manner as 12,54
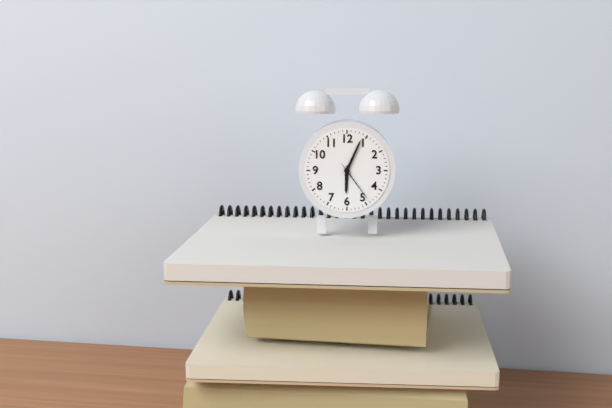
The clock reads 6,04
